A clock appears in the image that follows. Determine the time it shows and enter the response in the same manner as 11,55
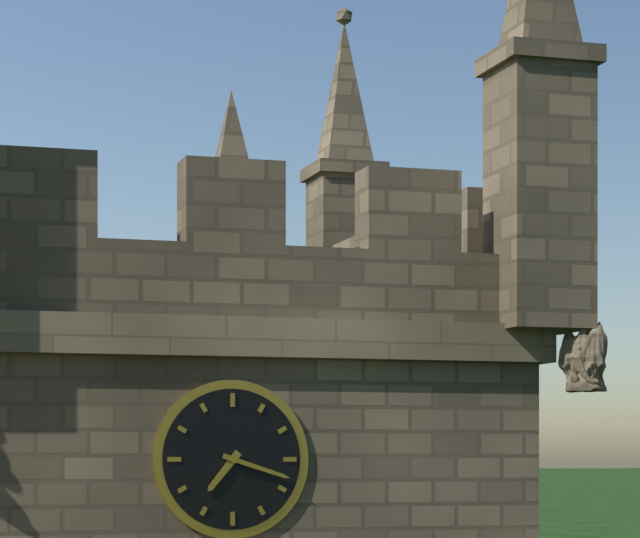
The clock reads 7,18
